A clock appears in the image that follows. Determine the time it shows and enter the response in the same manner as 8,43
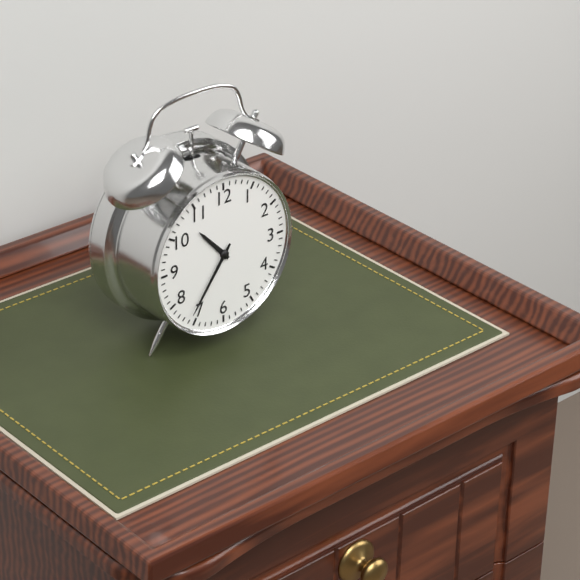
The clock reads 10,36
